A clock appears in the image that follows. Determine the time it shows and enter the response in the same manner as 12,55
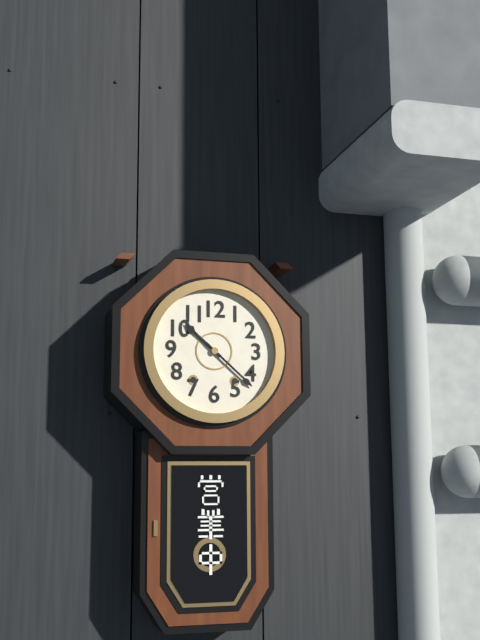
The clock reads 10,22
